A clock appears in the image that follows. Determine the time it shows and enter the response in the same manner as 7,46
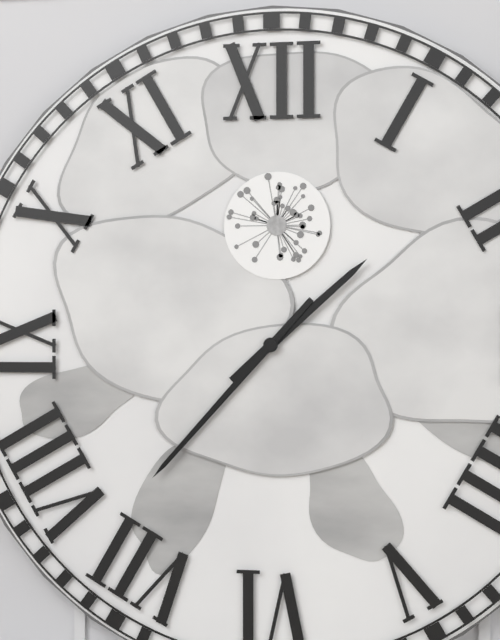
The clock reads 1,37
